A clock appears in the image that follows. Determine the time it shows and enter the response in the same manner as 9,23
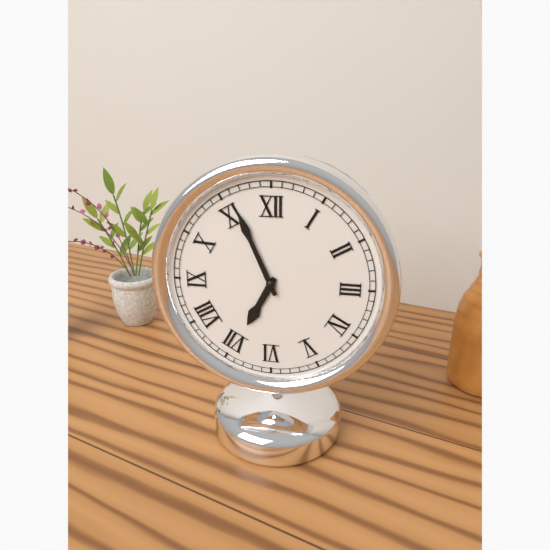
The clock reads 6,56
